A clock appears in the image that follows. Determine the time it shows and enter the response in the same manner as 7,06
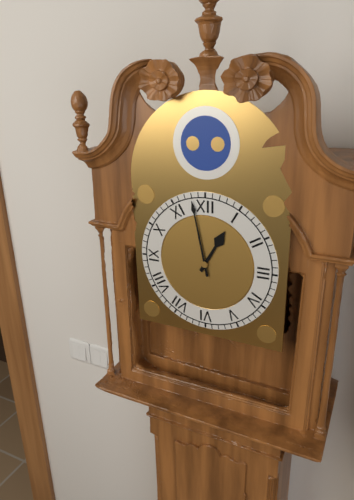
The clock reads 12,58
